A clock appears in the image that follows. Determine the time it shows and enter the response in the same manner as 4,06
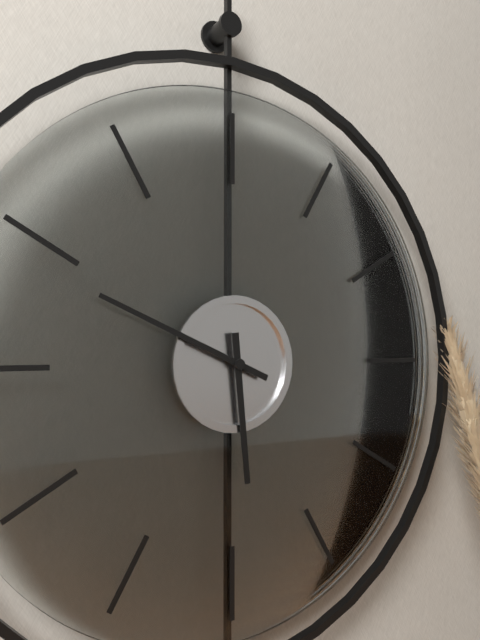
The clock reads 5,49
